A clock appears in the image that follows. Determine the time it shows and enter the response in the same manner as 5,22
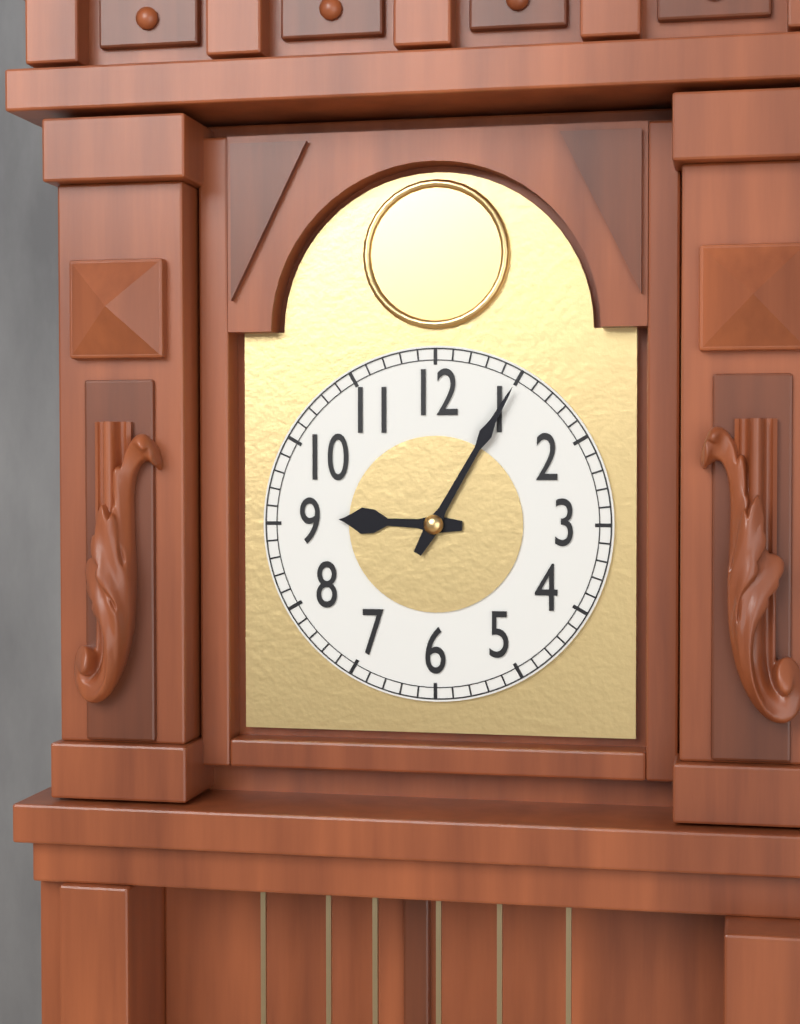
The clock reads 9,05
